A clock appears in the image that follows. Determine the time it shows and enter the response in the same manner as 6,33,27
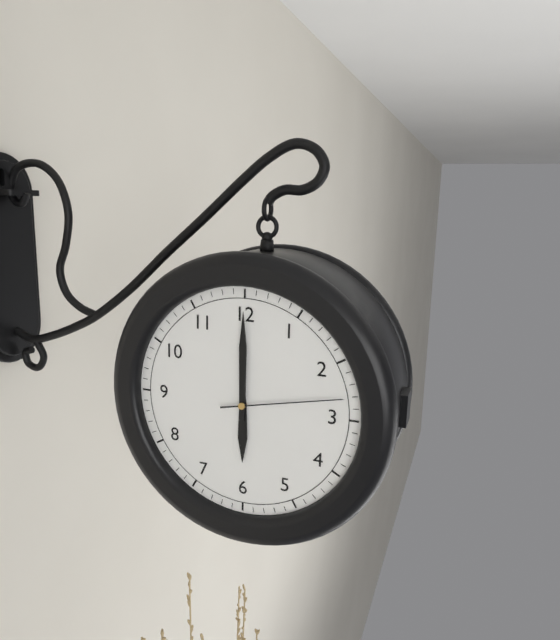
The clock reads 6,00,13
